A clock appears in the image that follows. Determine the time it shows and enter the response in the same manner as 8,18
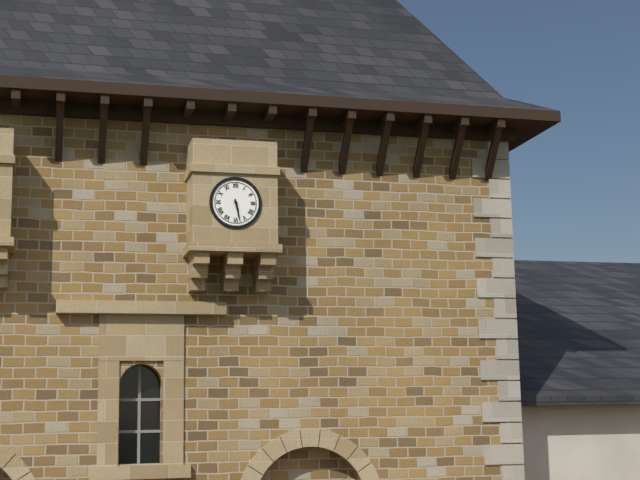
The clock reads 5,28
